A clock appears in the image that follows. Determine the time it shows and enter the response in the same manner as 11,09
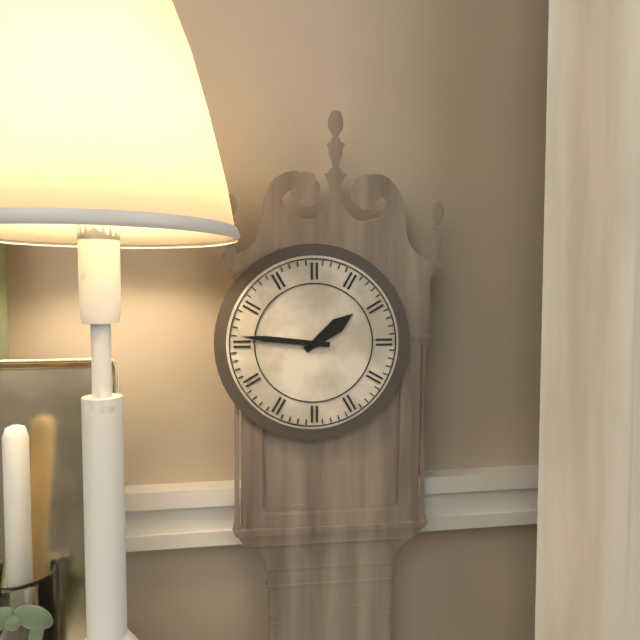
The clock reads 1,46
